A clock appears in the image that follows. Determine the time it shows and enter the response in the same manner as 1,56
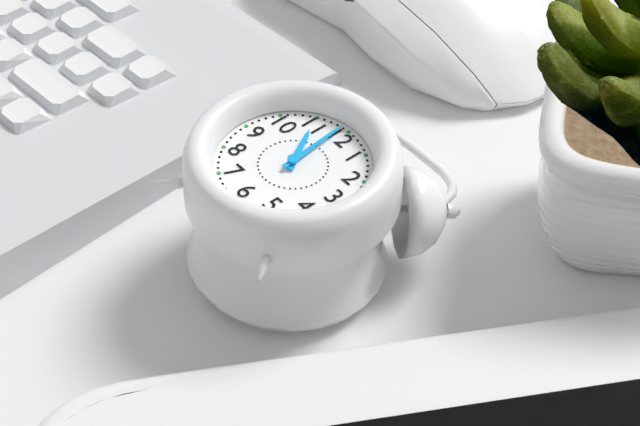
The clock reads 10,59
